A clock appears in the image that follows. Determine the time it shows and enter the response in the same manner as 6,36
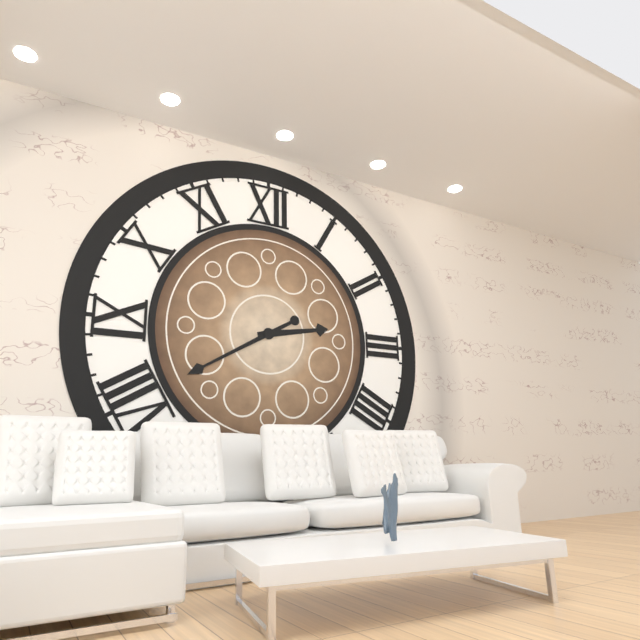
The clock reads 2,40
